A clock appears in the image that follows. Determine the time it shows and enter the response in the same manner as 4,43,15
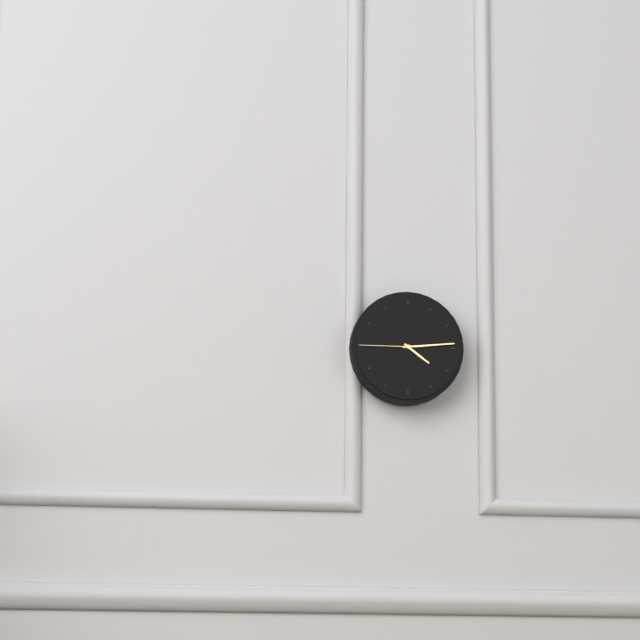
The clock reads 4,14,45
